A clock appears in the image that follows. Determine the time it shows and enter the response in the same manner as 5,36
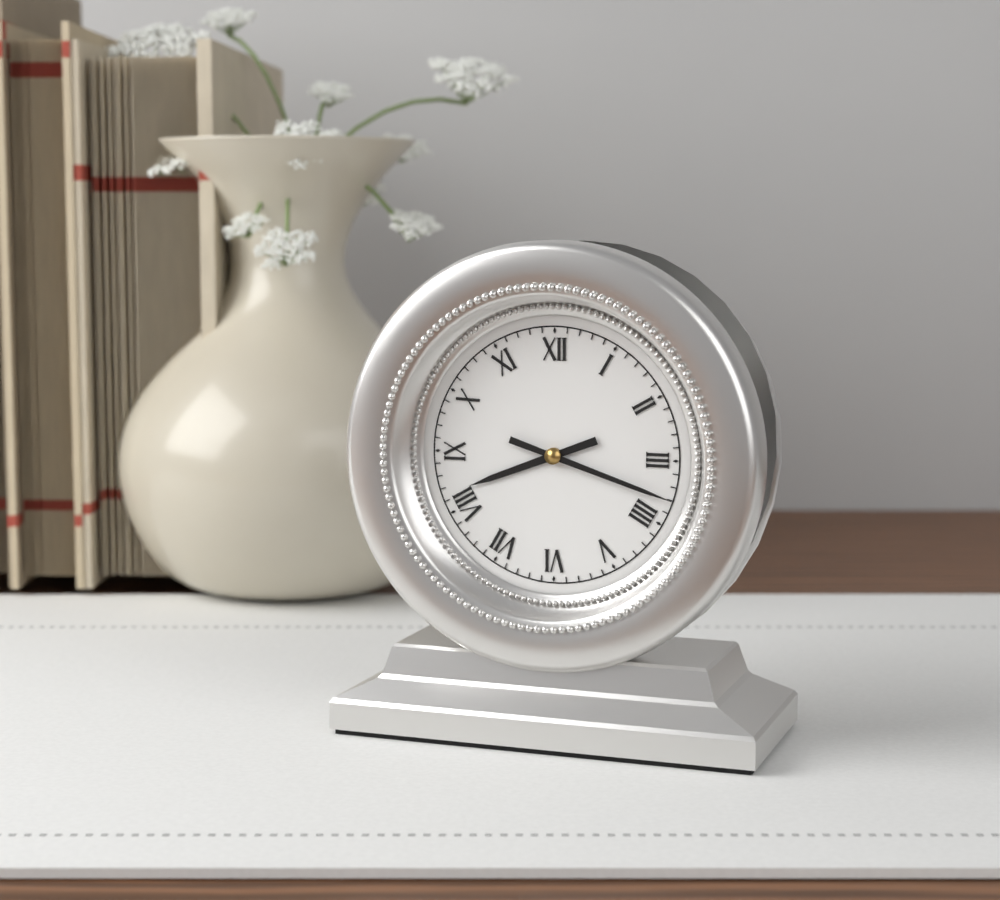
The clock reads 8,18
